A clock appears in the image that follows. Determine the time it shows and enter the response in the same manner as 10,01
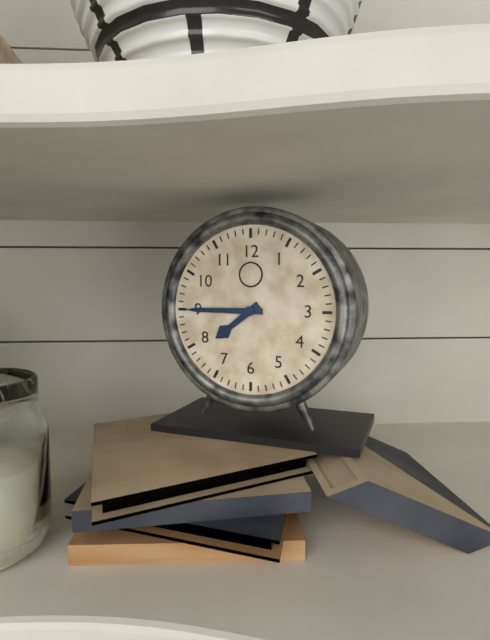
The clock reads 7,45
